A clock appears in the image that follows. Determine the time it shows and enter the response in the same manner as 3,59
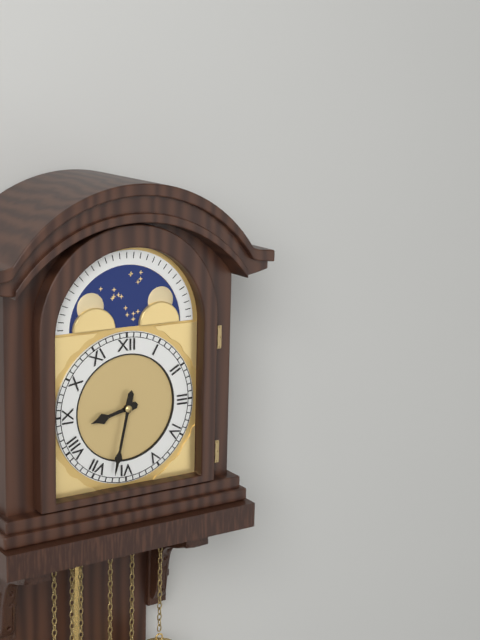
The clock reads 8,32
